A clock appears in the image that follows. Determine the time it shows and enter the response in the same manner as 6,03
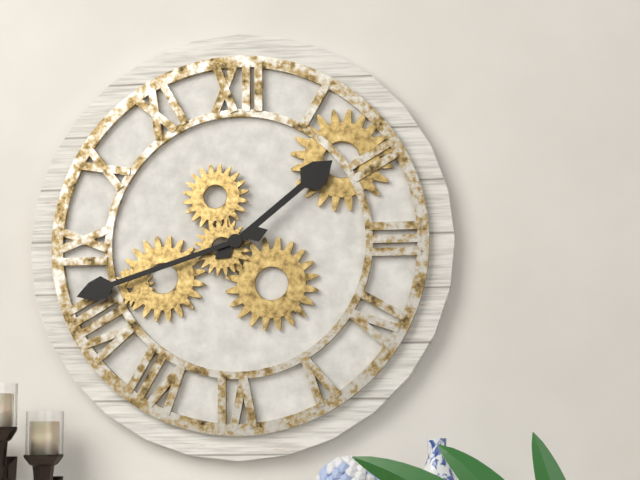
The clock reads 1,42
